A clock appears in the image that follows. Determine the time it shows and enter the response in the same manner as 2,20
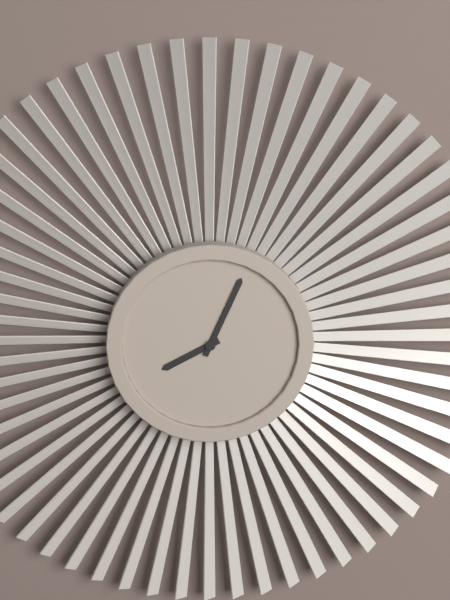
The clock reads 8,04
